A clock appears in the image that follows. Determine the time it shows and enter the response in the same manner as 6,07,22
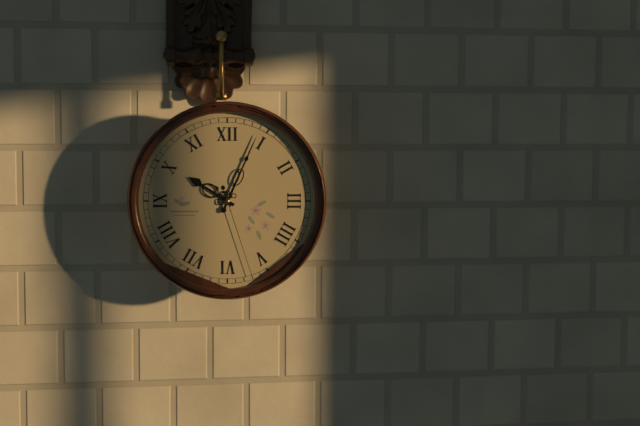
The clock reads 10,04,27
